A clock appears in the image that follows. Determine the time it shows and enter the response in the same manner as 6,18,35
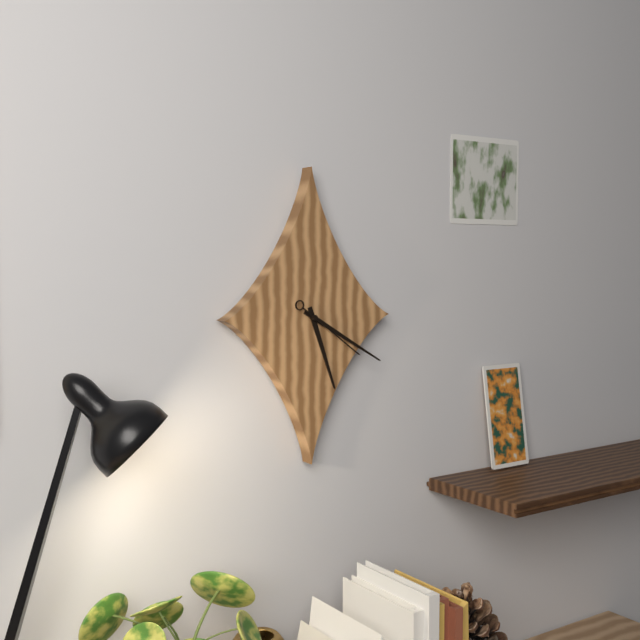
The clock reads 5,20,21
